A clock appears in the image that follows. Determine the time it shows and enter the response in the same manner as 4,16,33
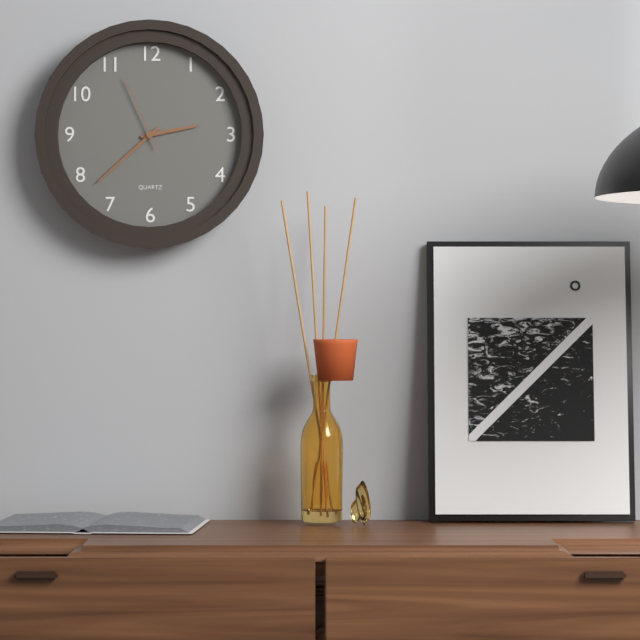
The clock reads 2,38,56
